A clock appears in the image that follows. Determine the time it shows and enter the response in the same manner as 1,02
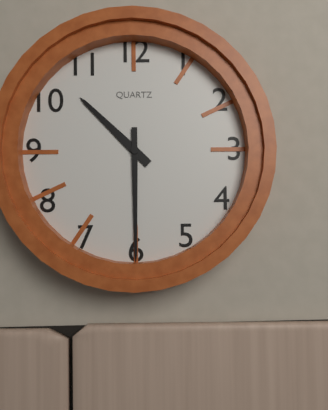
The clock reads 10,30
